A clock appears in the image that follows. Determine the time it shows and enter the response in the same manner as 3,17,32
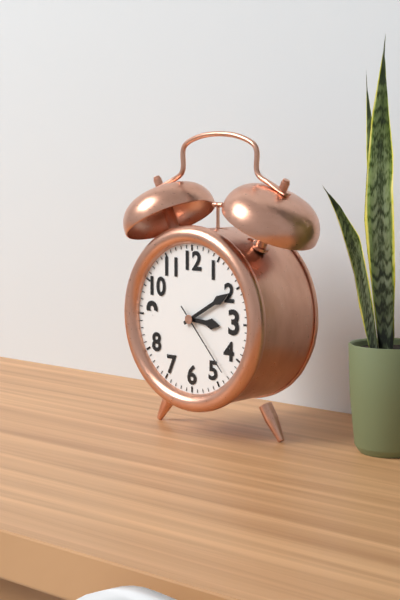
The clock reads 3,10,23
